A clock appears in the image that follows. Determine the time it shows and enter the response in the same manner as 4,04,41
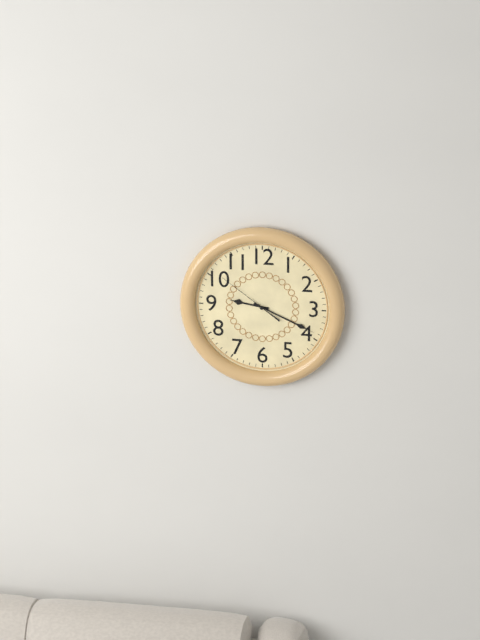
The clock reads 9,19,51
